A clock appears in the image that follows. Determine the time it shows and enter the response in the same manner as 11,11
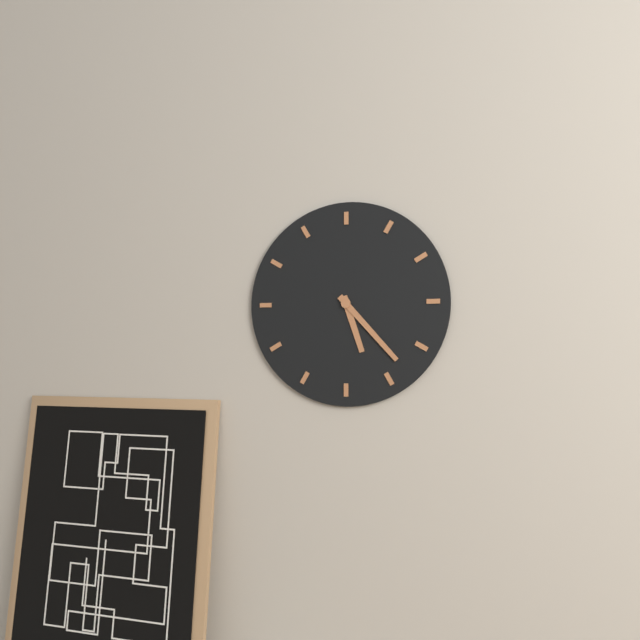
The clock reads 5,23
